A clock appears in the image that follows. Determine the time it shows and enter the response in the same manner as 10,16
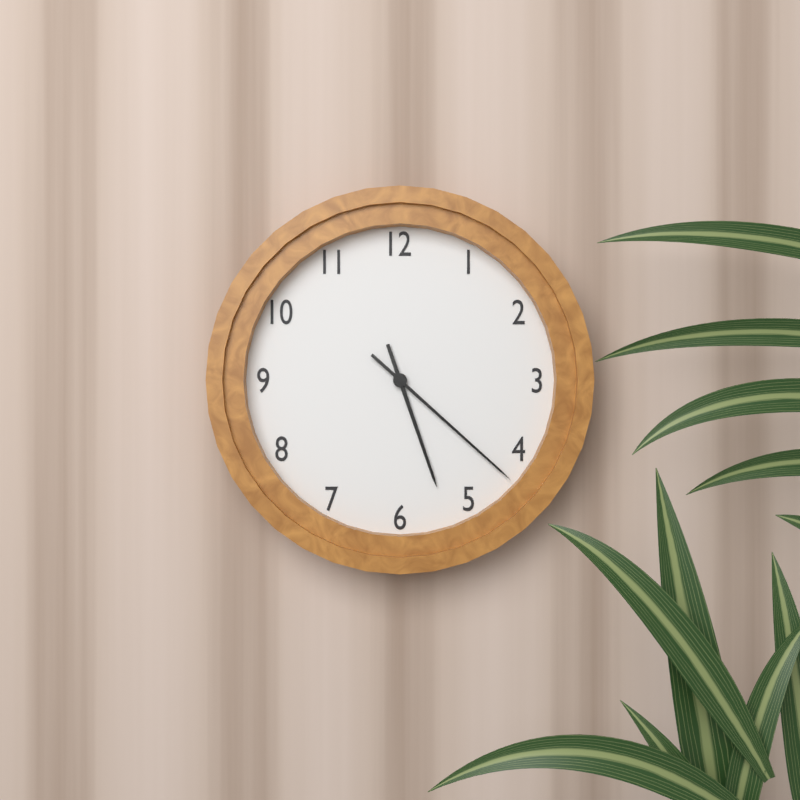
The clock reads 5,22
